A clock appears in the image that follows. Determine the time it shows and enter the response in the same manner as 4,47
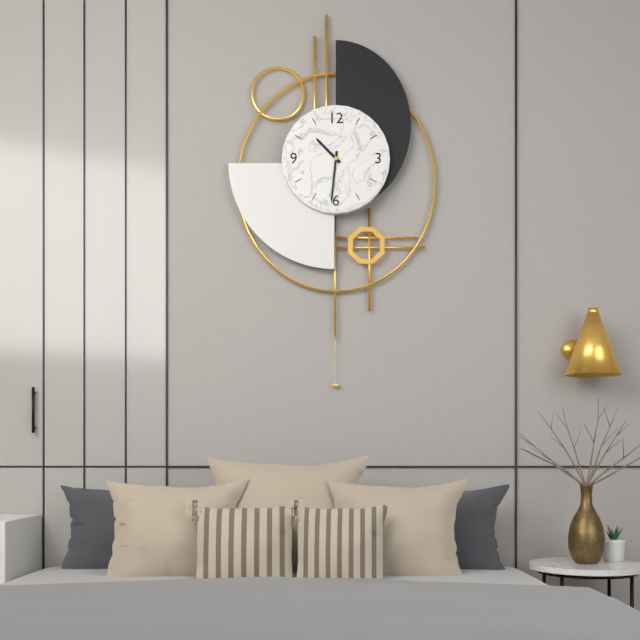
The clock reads 10,31
